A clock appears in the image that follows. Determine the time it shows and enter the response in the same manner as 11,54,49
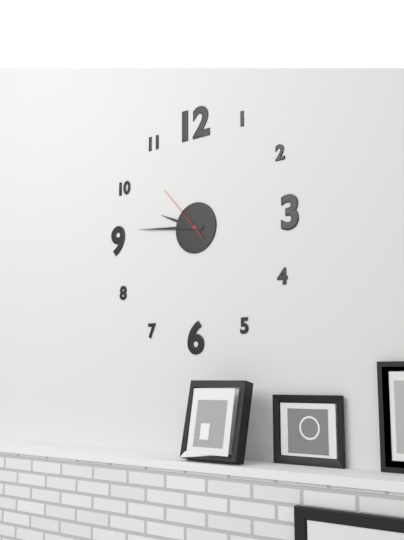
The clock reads 9,46,53
